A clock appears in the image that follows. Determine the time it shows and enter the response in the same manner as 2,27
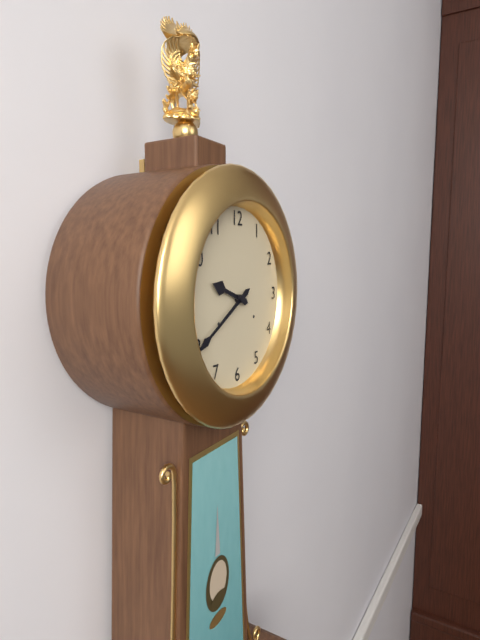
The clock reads 9,40
